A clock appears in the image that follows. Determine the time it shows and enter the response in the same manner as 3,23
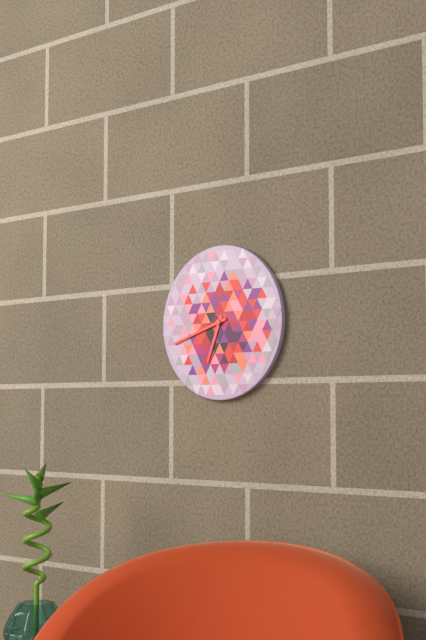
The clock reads 6,42
